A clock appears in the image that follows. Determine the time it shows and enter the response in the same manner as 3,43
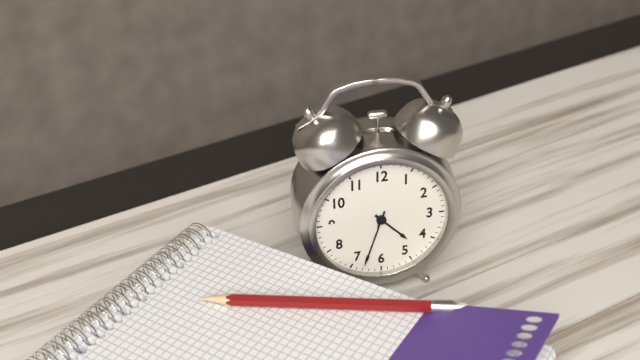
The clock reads 4,33
